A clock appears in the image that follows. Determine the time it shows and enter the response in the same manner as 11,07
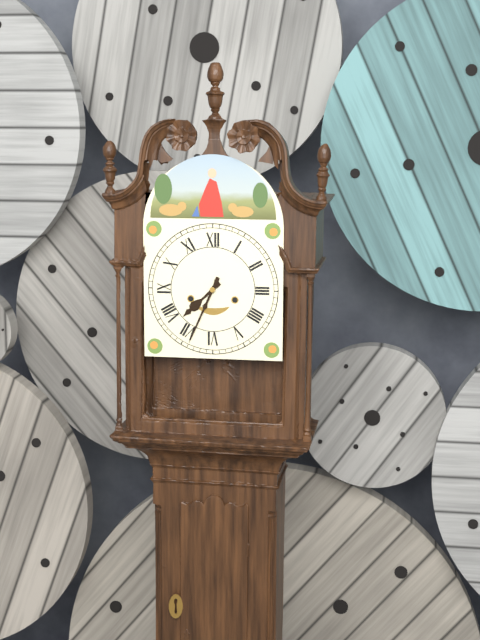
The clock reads 7,34
